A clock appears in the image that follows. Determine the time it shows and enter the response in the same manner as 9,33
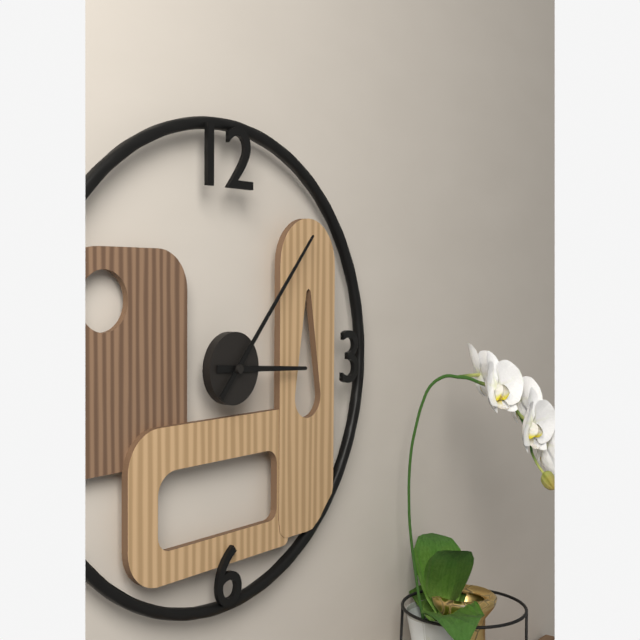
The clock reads 3,07
